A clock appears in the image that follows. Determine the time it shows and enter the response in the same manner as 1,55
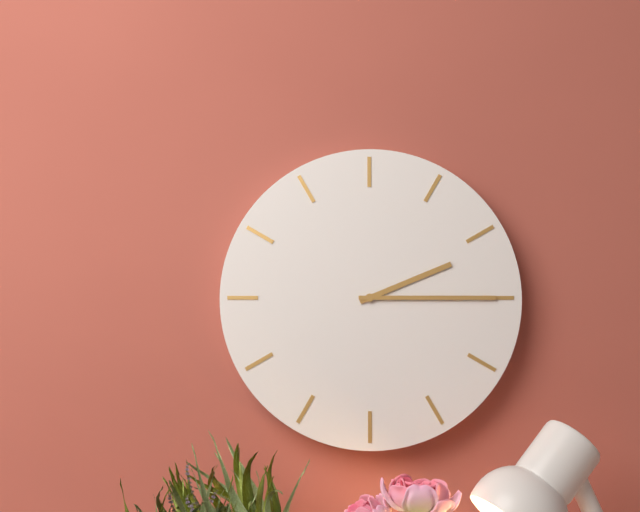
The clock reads 2,15
